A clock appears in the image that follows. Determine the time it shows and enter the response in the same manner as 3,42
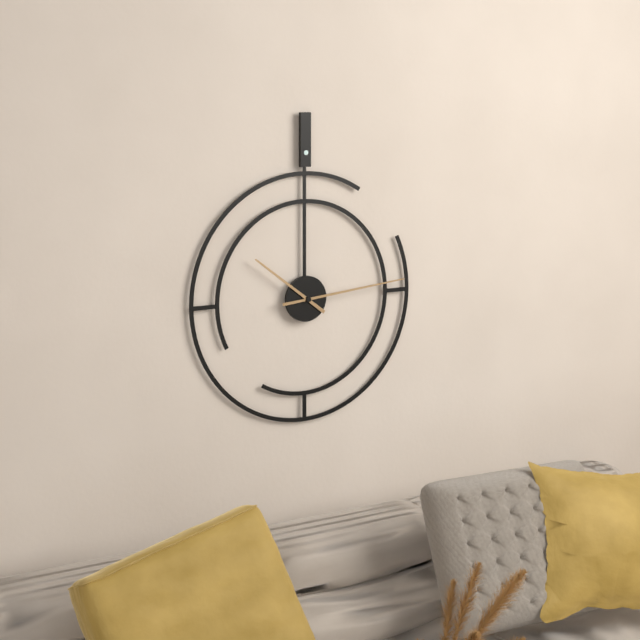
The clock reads 10,14
